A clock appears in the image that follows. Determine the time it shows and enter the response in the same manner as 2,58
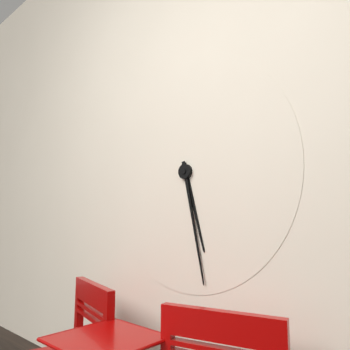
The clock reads 5,28
